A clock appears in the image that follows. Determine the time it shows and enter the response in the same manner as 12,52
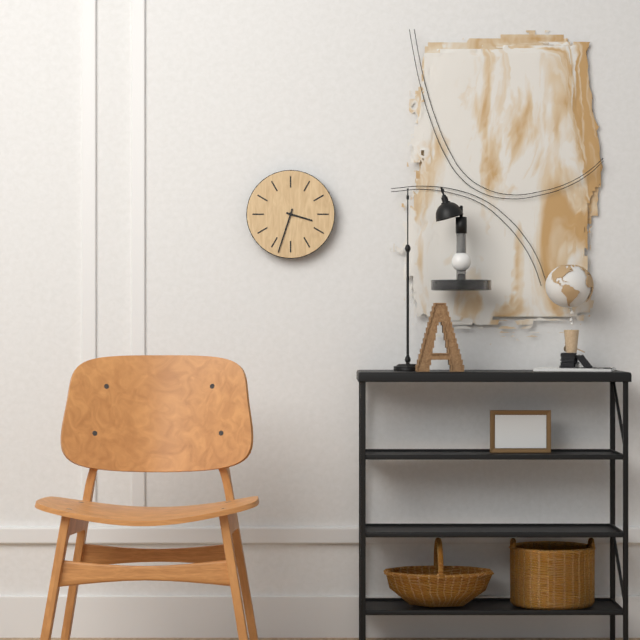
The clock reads 3,33
